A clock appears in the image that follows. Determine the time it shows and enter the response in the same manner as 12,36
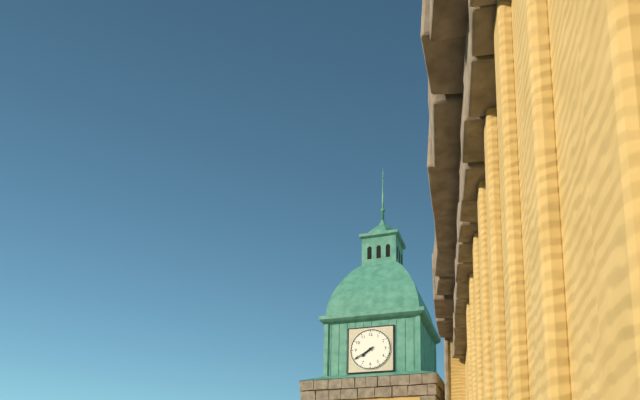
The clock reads 7,40
